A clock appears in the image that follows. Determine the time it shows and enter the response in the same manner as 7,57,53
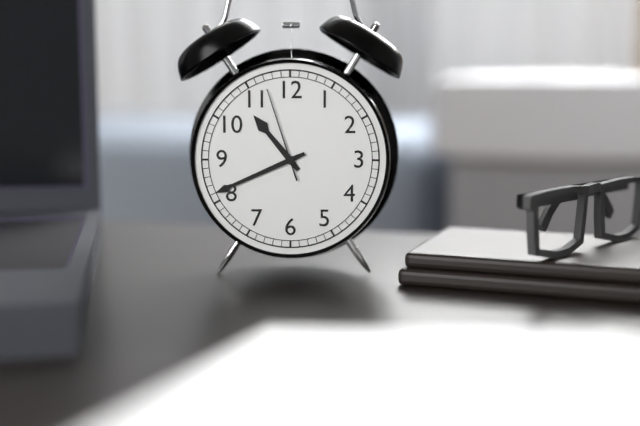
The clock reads 10,41,57
